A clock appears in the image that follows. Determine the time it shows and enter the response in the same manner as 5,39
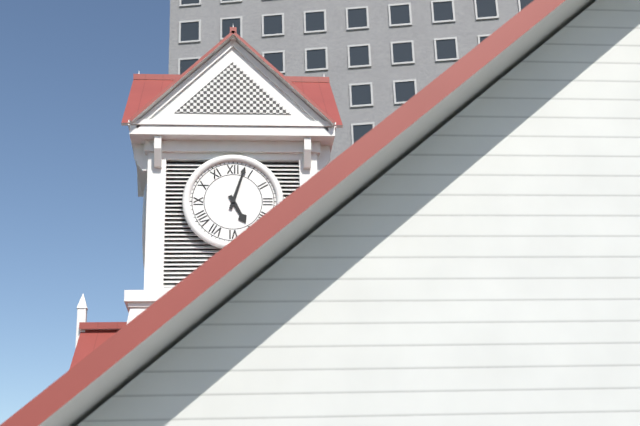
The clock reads 5,03
